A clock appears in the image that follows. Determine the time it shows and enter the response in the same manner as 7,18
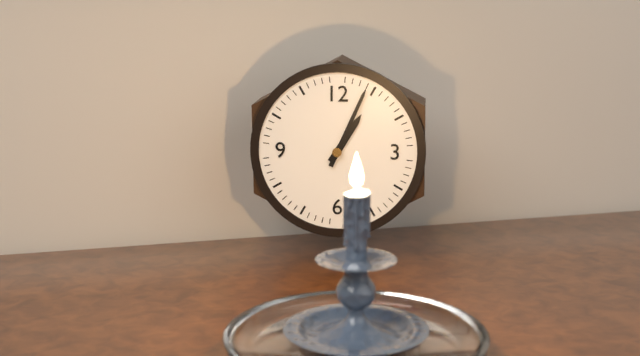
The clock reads 1,04
